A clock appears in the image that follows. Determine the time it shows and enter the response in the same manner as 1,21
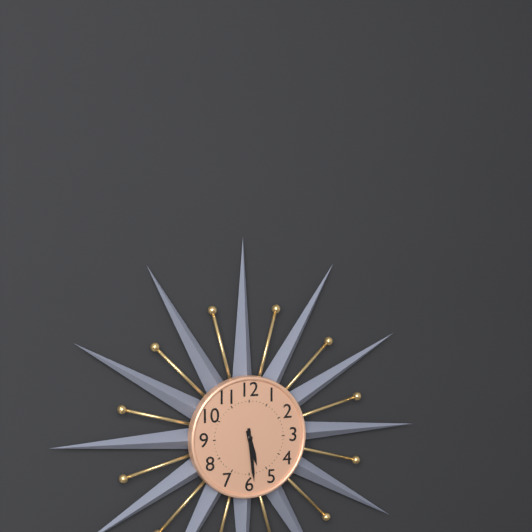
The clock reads 5,29
